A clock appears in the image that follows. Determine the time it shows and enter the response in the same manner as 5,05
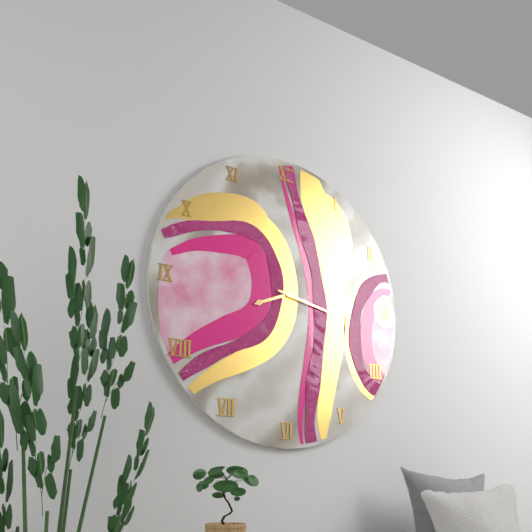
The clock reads 8,17
